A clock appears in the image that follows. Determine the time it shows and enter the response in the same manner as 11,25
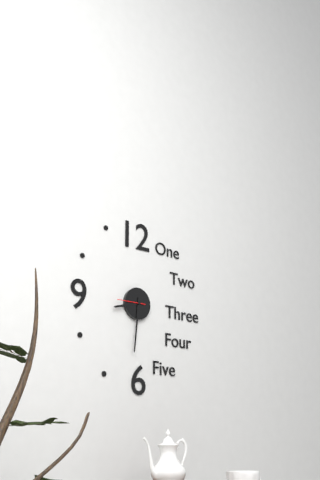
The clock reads 8,31
